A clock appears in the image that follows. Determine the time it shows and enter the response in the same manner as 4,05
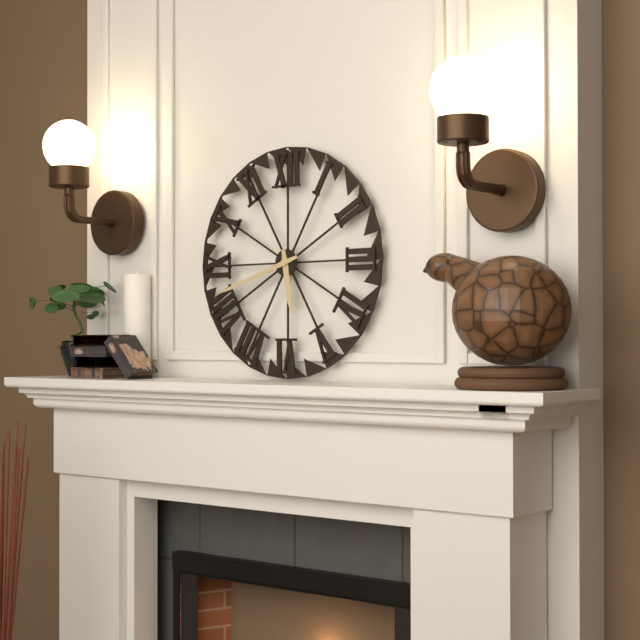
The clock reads 5,42
